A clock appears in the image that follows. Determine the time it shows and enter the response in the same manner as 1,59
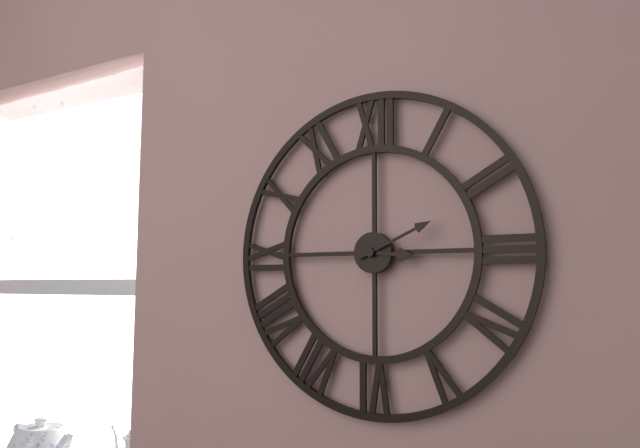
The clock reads 3,11
